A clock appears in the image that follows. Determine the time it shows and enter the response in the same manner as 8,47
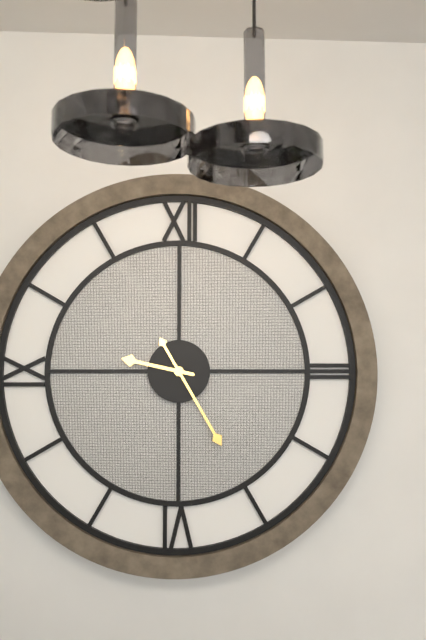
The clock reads 9,25
